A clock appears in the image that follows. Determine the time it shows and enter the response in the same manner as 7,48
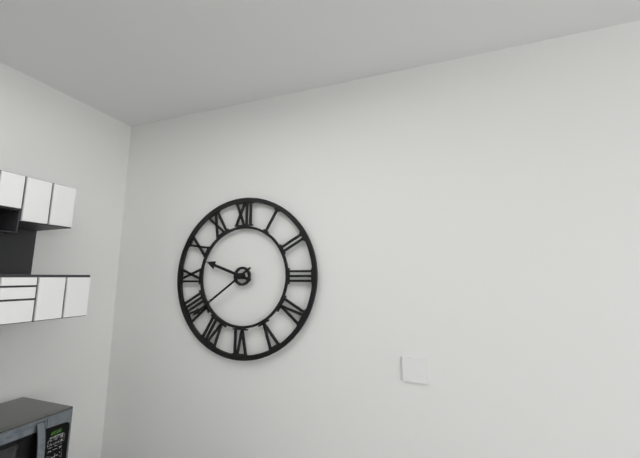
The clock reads 9,39
